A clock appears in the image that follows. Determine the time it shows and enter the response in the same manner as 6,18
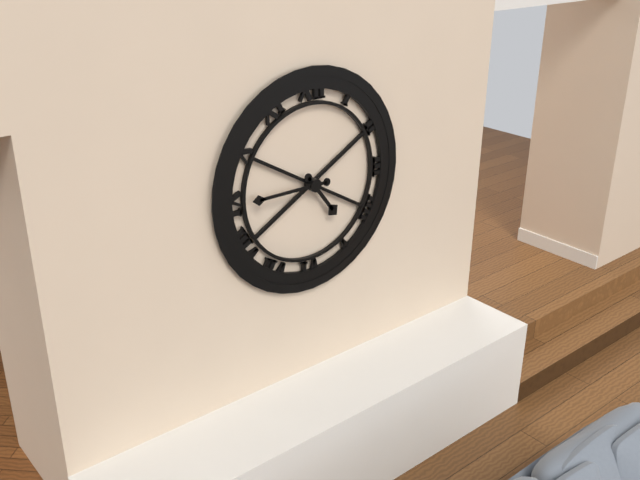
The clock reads 4,45
